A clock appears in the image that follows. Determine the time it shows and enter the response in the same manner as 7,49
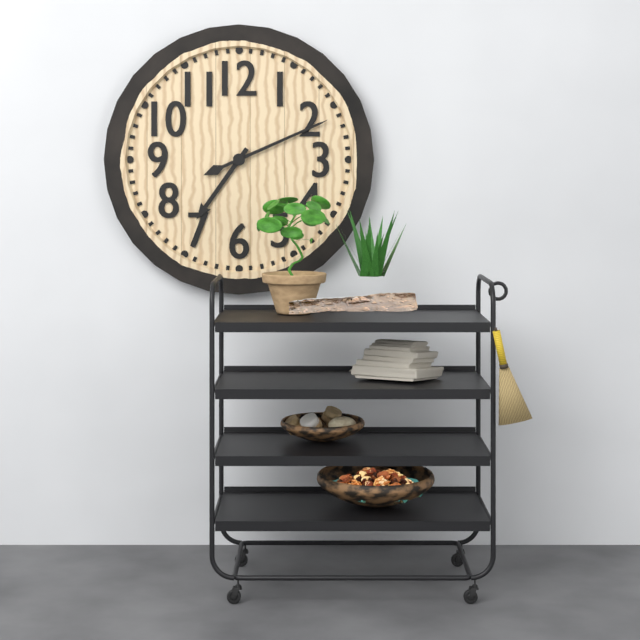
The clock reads 7,11
